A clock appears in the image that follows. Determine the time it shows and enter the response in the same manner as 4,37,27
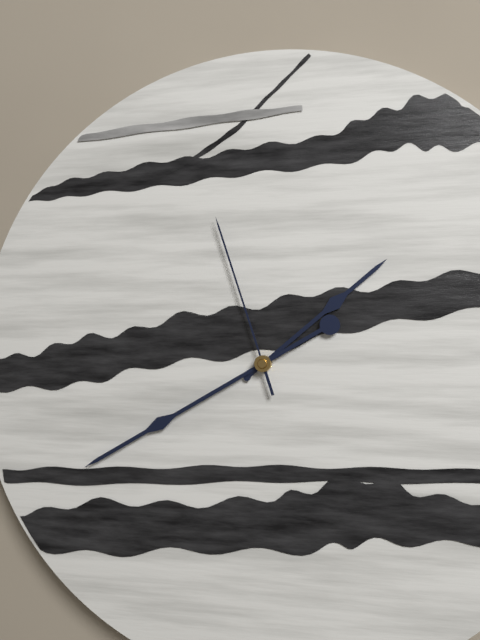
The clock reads 1,40,57
